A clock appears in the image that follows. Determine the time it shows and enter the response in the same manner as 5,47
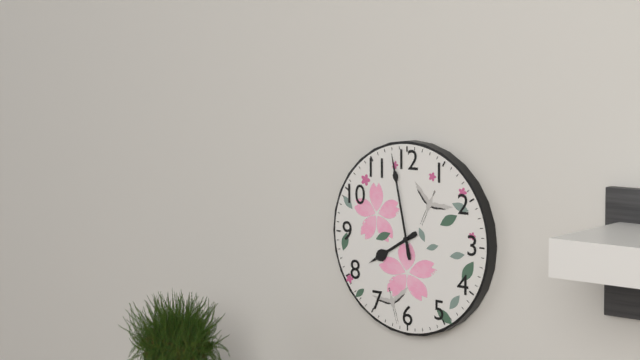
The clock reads 7,58
